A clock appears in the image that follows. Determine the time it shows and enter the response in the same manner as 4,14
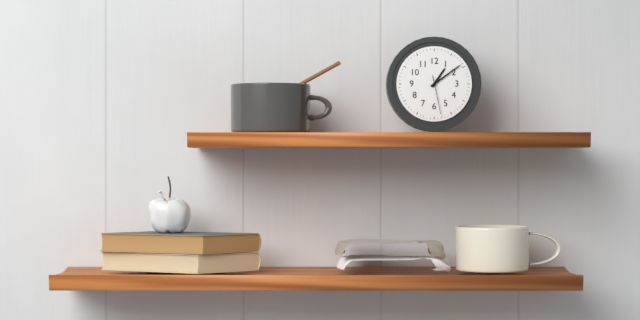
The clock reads 1,09
